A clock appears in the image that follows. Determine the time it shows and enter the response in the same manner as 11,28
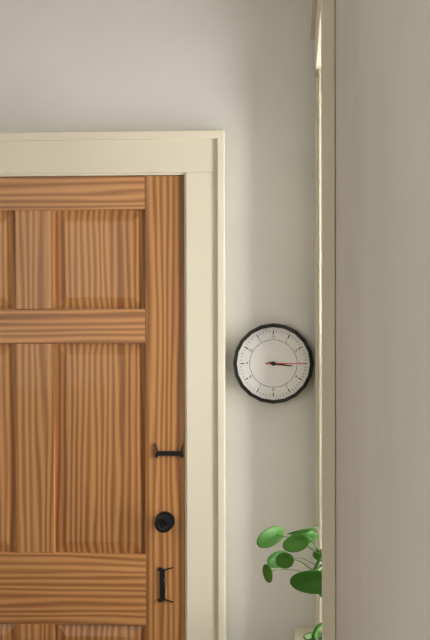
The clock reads 3,15
